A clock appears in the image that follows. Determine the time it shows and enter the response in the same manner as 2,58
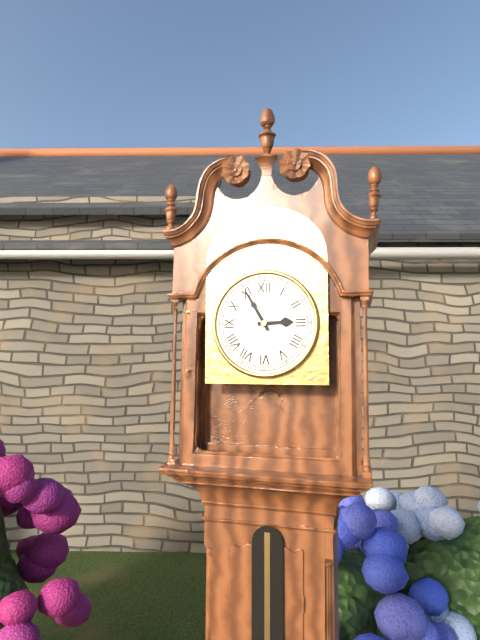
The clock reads 2,55
